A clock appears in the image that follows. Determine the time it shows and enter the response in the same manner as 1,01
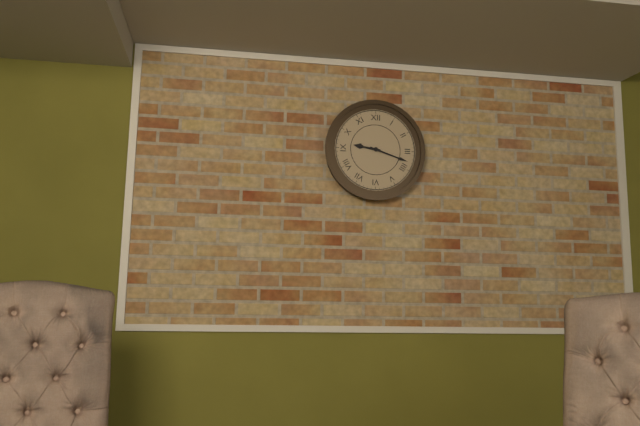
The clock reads 9,18
